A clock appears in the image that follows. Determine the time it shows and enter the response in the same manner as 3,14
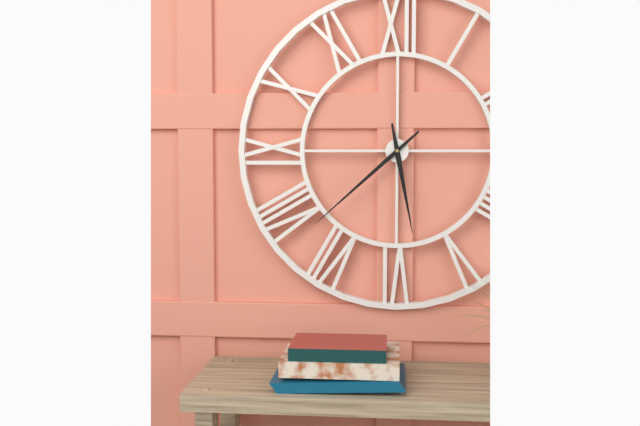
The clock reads 5,38
